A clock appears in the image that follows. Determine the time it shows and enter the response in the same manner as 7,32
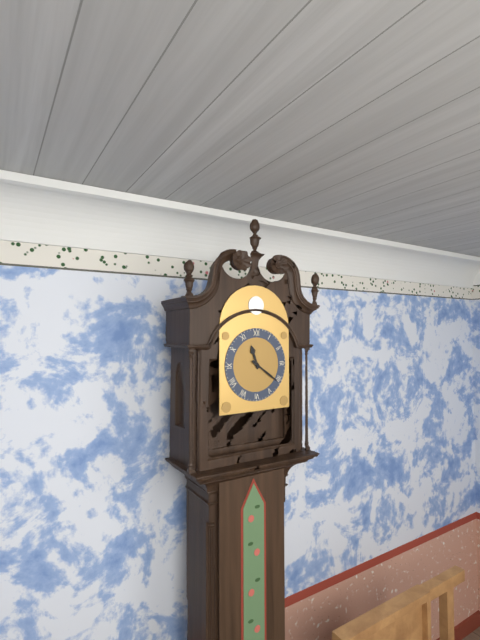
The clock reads 11,21
